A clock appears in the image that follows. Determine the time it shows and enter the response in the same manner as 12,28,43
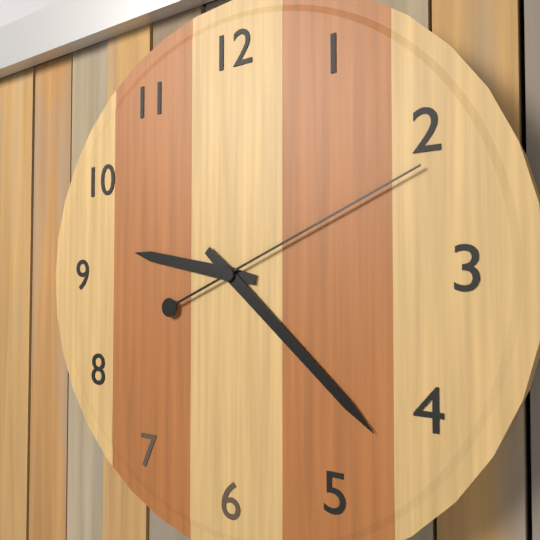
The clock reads 9,22,11
